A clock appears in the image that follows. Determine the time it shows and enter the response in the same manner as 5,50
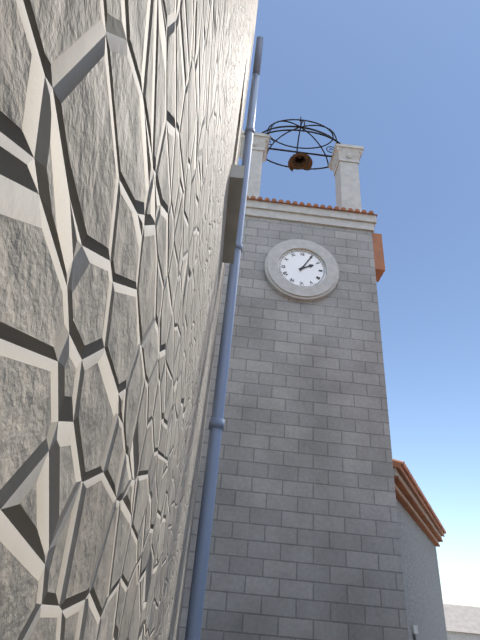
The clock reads 2,05
